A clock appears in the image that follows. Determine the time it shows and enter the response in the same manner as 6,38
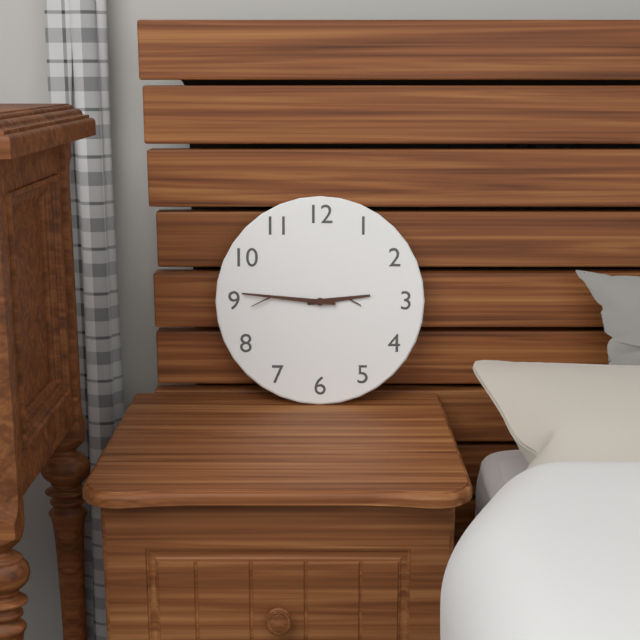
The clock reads 2,46
